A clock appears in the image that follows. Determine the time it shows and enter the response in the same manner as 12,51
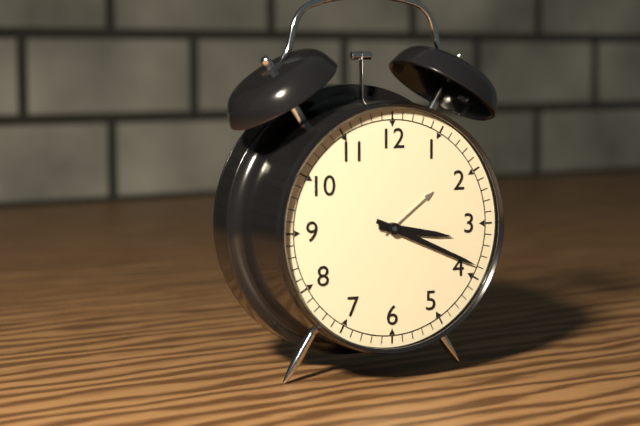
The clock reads 3,19
